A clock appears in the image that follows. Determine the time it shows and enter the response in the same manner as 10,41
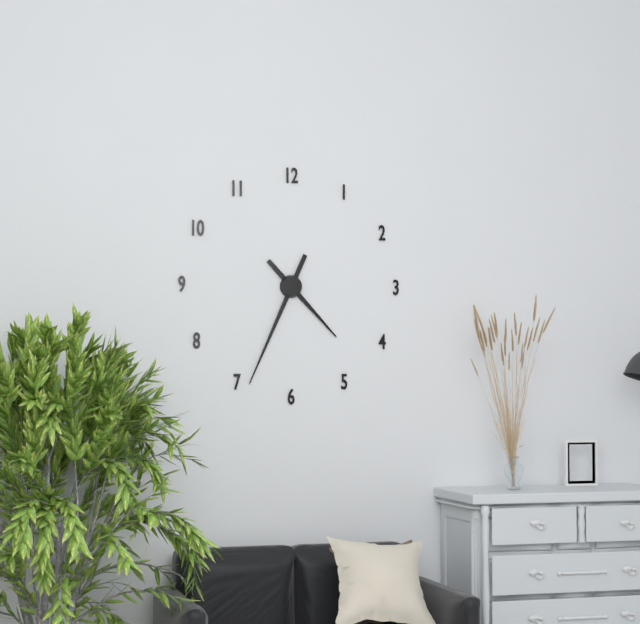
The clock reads 4,34
